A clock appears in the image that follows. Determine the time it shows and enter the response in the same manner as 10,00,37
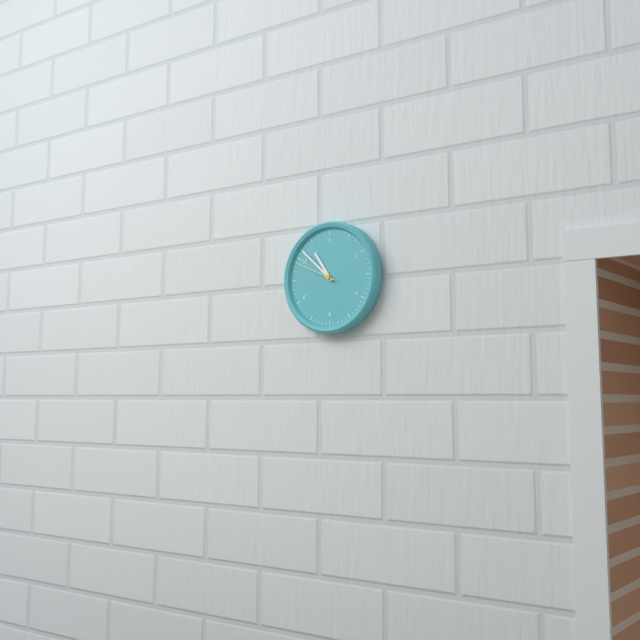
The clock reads 10,52,49
